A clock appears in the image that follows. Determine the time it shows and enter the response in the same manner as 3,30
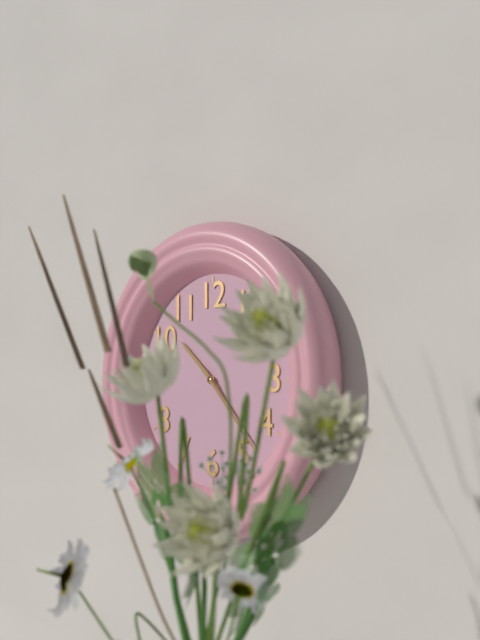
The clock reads 10,23
